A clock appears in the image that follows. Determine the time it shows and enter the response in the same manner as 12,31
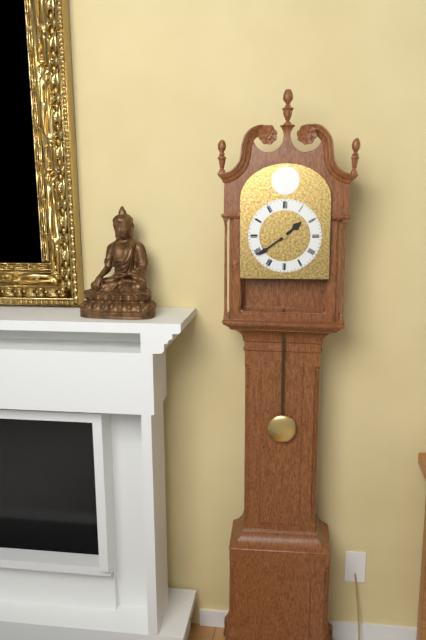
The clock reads 1,39
